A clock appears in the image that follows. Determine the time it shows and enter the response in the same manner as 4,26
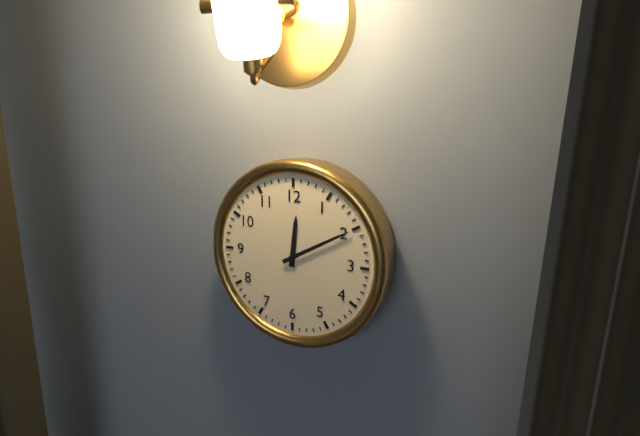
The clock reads 12,10
